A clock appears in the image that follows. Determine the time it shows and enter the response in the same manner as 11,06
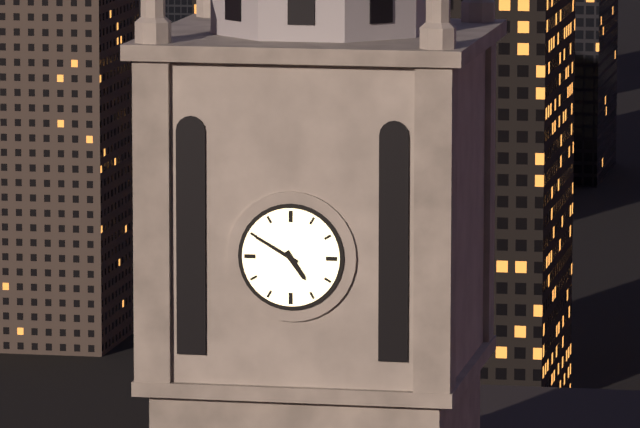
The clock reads 4,50
